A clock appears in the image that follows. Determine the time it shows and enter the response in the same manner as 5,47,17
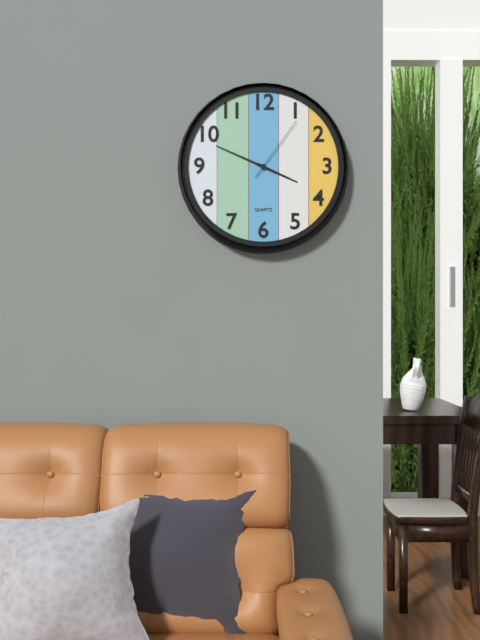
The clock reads 3,49,06
